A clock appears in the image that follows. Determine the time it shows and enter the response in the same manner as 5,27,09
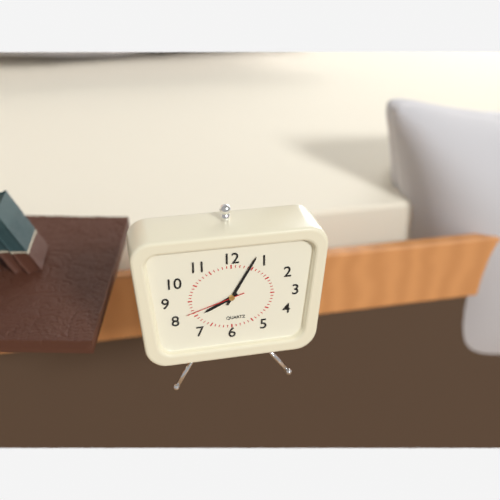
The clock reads 8,05,42
